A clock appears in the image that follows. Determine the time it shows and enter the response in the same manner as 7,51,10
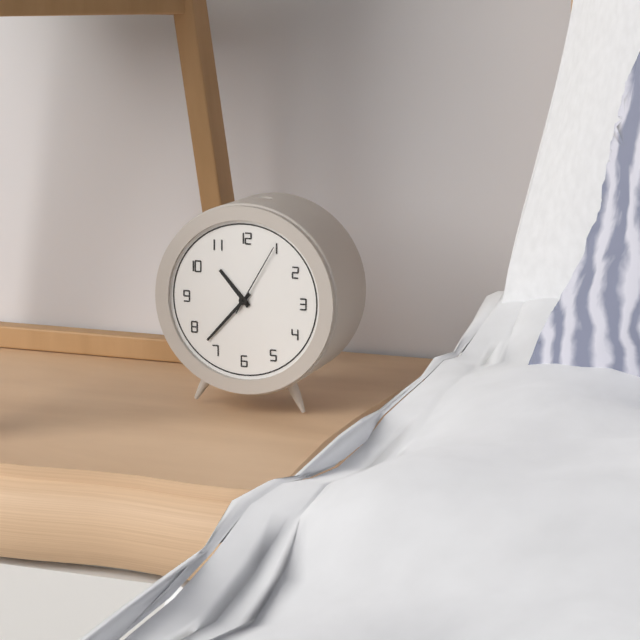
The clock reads 10,37,05
